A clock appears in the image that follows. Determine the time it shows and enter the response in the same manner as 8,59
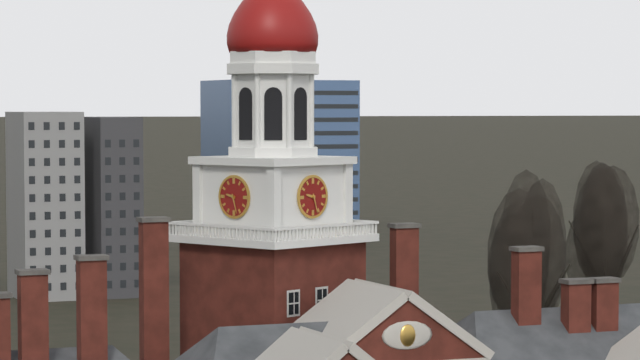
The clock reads 9,27
